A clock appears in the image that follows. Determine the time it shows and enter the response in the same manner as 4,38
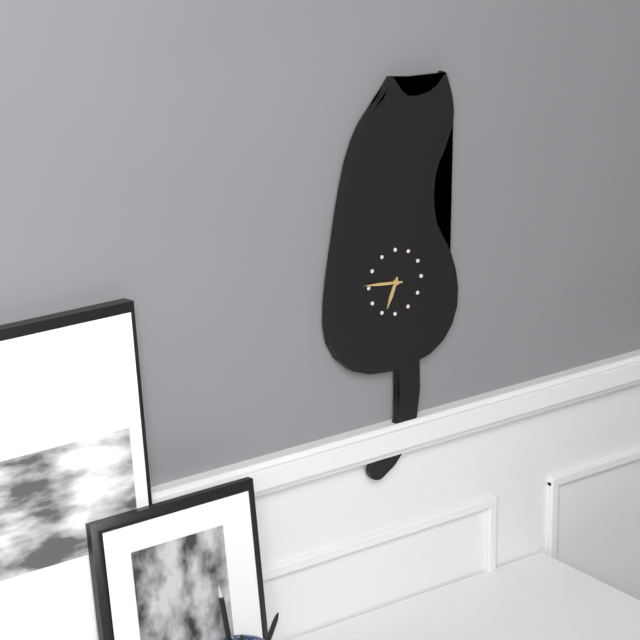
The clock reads 6,46
